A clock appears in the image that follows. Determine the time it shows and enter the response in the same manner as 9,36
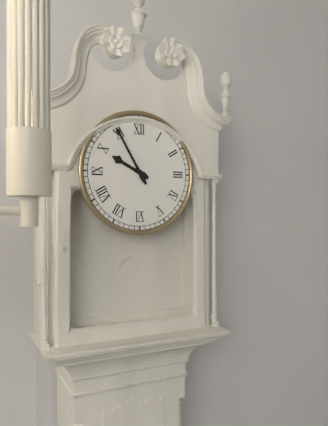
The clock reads 9,55
